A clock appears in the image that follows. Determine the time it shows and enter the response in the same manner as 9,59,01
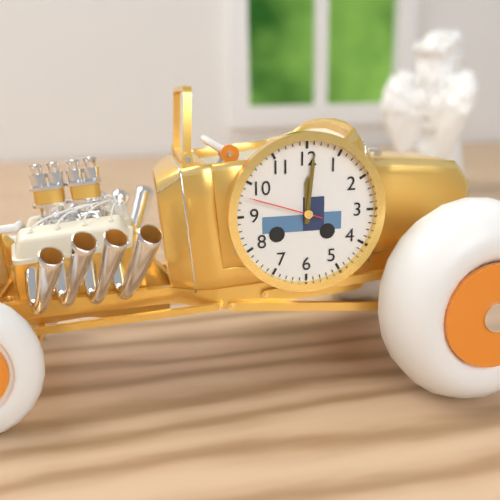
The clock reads 12,01,48
